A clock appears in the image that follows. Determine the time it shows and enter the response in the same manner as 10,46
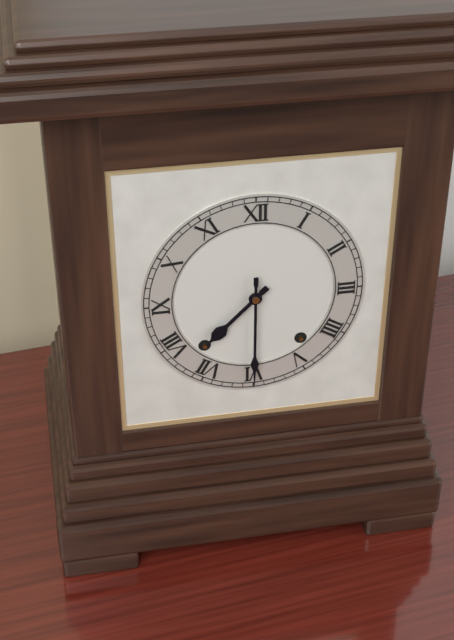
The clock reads 7,30
